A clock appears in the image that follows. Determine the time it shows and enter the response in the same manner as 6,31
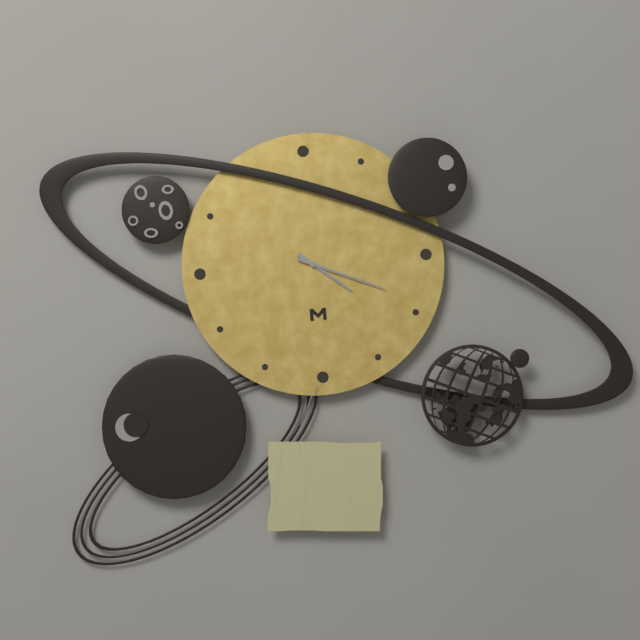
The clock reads 4,19
